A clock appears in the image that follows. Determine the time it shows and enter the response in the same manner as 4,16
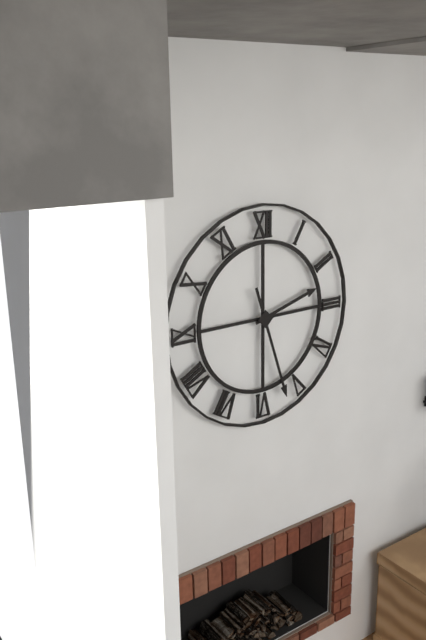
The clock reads 2,27
